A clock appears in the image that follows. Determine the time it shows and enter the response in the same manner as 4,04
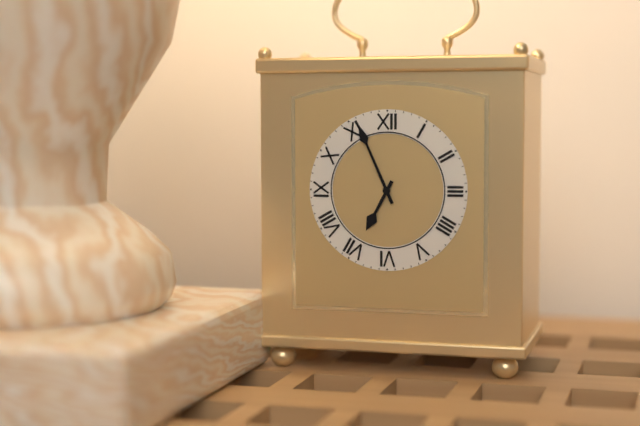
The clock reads 6,56
